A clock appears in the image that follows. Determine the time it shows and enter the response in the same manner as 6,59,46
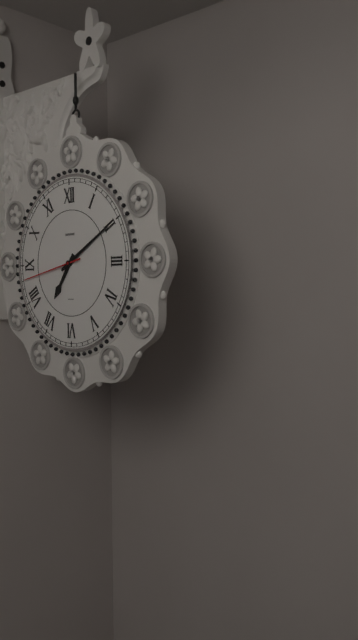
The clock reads 7,10,43
